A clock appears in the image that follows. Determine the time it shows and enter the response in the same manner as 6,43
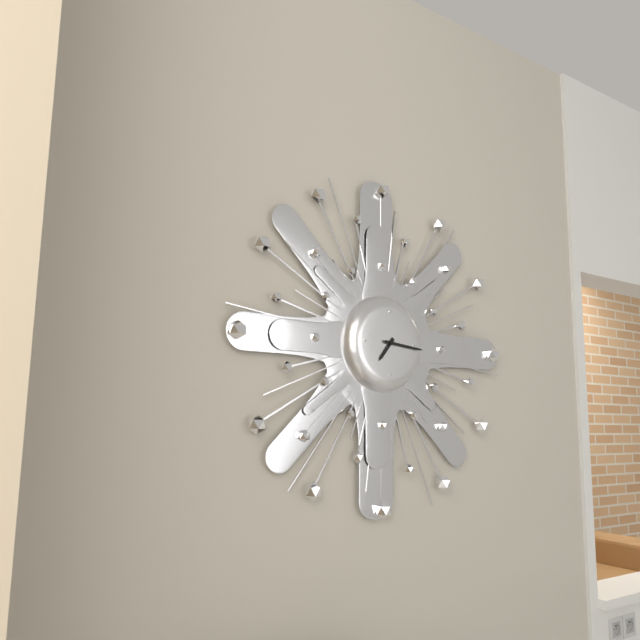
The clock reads 7,16
